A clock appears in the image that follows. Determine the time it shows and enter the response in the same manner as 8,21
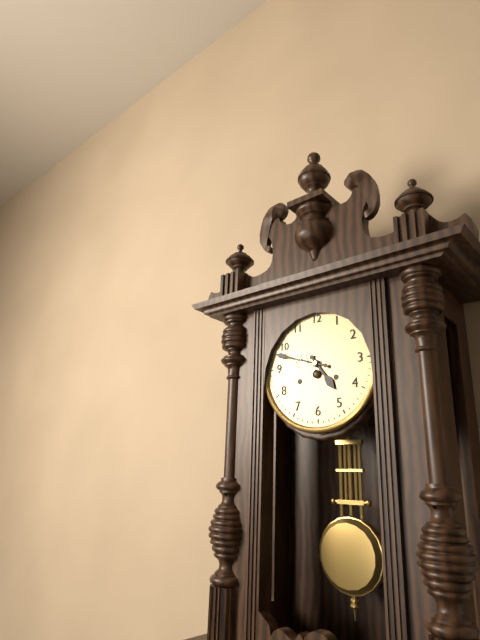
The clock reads 4,48
